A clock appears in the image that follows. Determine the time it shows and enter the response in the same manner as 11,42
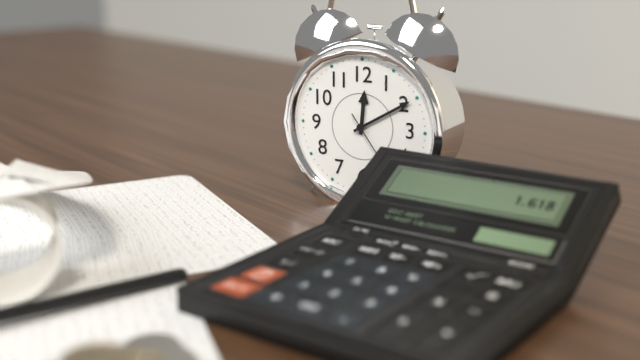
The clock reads 12,10
